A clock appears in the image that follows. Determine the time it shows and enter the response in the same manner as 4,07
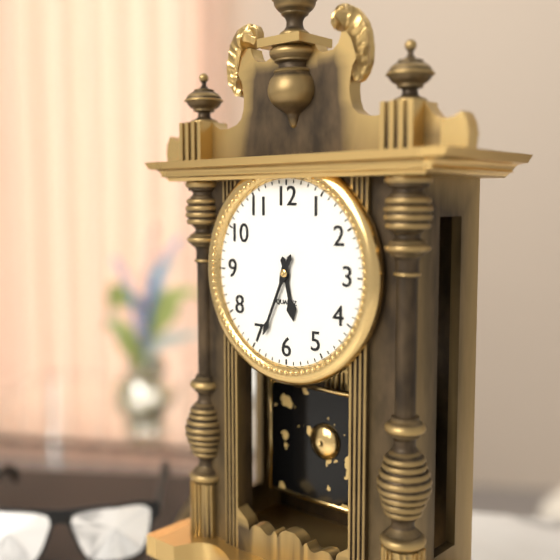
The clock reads 5,34
